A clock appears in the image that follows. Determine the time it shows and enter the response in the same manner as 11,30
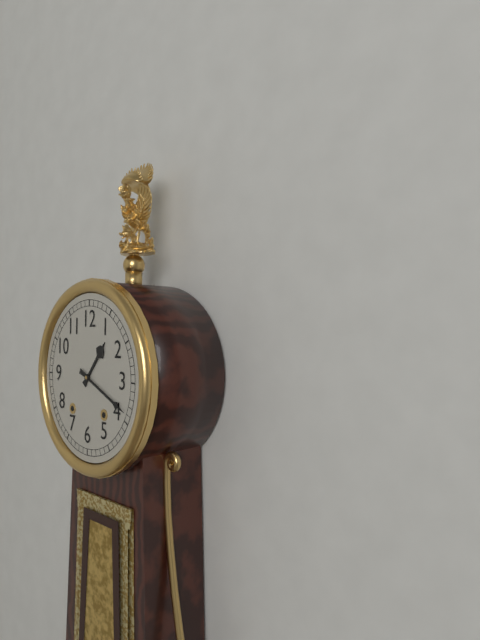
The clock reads 1,19
